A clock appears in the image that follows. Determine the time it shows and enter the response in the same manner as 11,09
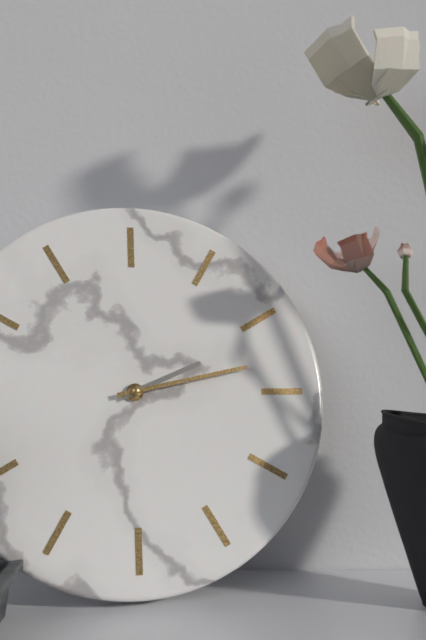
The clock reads 2,13
